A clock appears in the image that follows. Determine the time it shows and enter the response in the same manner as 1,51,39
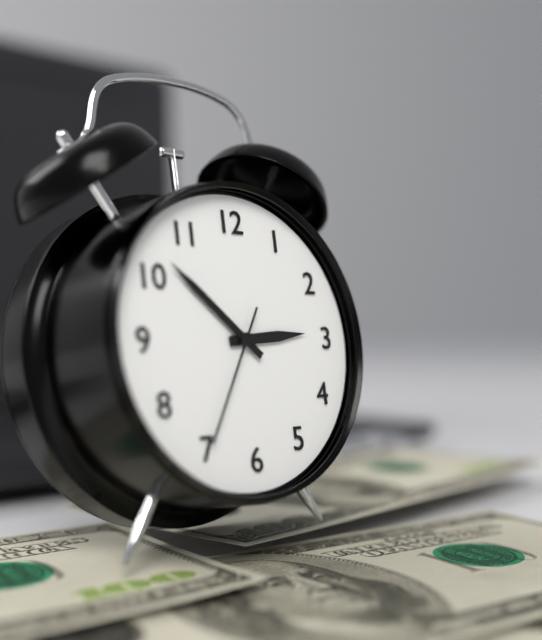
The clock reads 2,52,35
